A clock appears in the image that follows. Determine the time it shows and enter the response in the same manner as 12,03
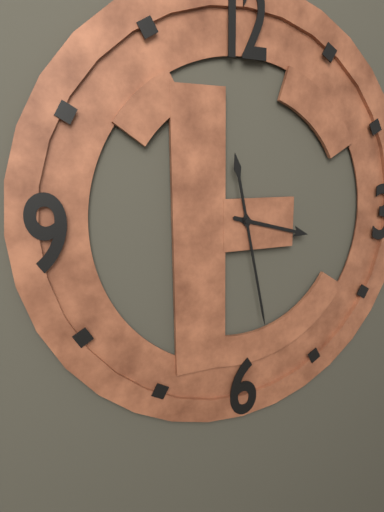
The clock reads 3,28
